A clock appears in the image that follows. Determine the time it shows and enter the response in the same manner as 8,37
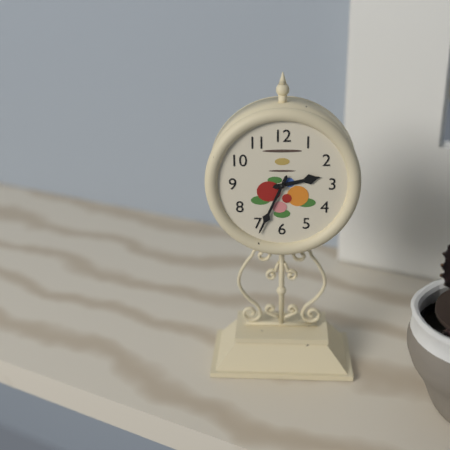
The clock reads 2,34
